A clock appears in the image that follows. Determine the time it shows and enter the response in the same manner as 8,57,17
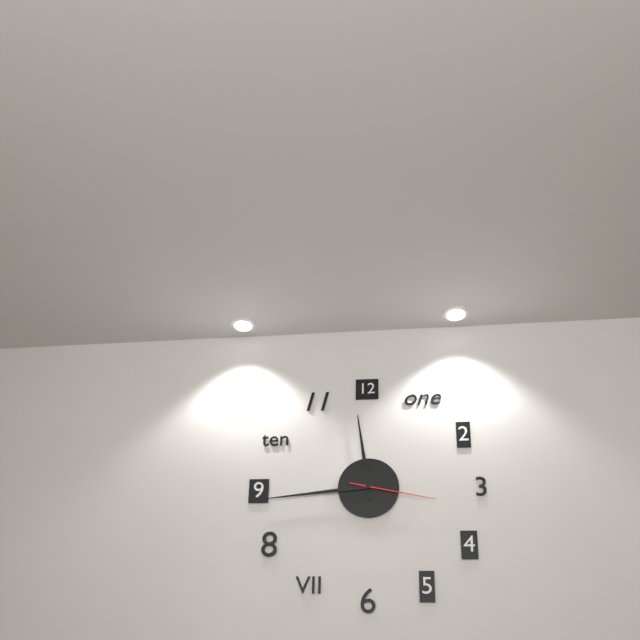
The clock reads 11,44,17
